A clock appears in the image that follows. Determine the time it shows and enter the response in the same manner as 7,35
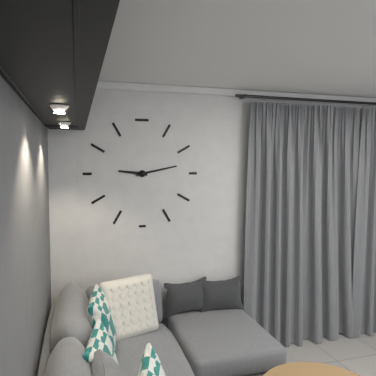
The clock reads 9,13
